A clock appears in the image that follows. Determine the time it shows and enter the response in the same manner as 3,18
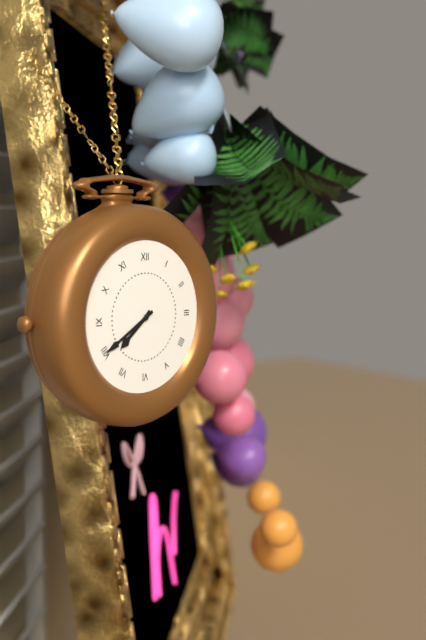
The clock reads 7,40
